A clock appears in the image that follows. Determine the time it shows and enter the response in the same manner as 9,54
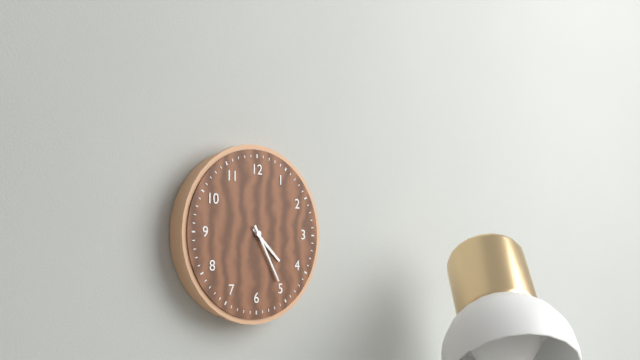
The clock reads 4,25
